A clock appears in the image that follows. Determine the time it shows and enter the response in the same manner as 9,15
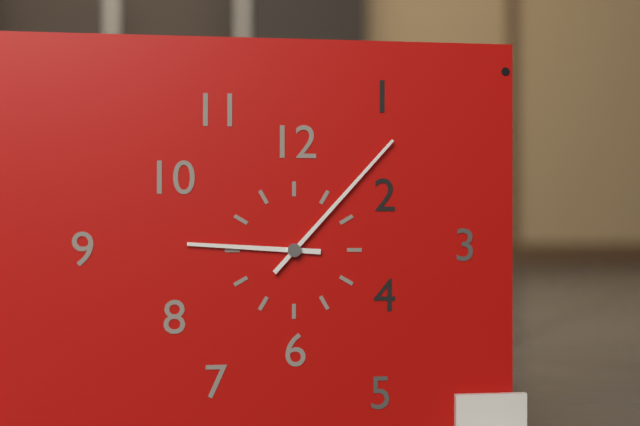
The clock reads 9,07
